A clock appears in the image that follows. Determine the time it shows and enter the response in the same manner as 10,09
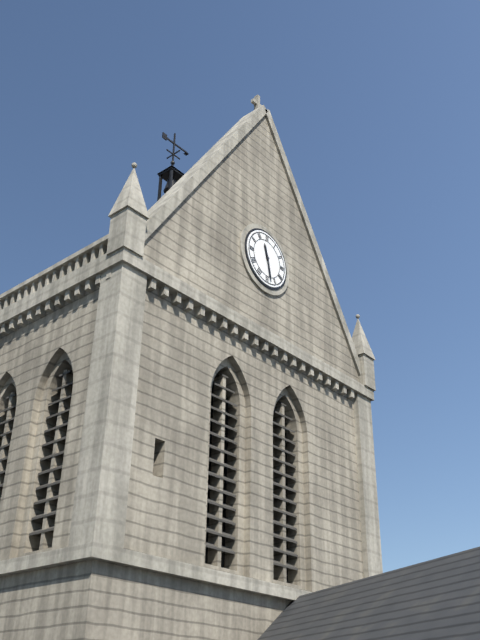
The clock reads 11,28
